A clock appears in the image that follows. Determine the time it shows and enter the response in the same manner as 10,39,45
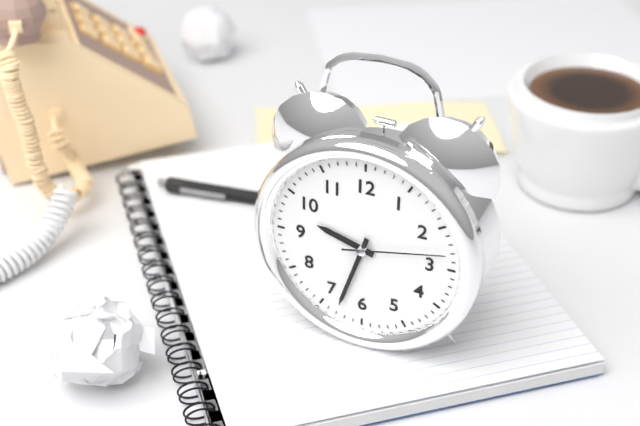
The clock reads 9,33,13
